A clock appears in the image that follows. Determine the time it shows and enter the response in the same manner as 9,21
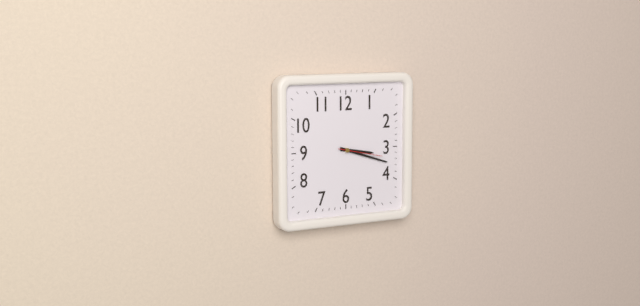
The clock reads 3,18
